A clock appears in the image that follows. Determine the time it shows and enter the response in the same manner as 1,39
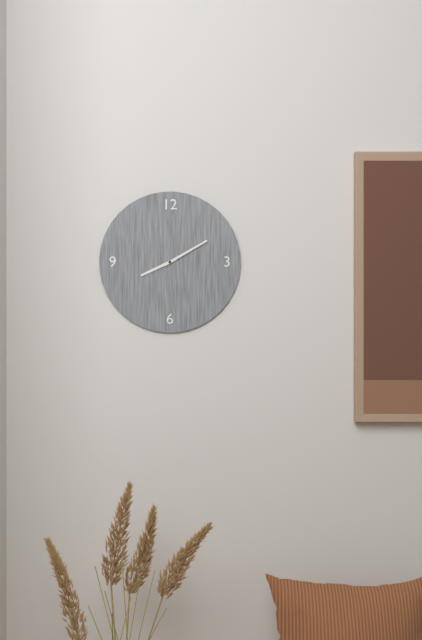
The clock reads 8,10
